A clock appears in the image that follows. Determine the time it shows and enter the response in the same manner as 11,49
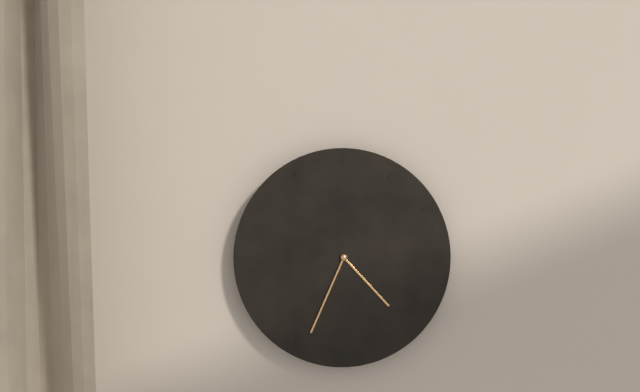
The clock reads 4,34
